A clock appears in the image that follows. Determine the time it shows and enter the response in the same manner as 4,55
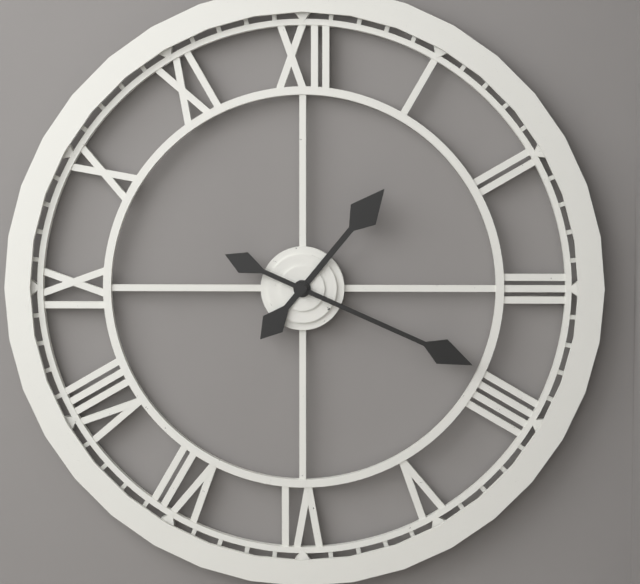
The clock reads 1,19
